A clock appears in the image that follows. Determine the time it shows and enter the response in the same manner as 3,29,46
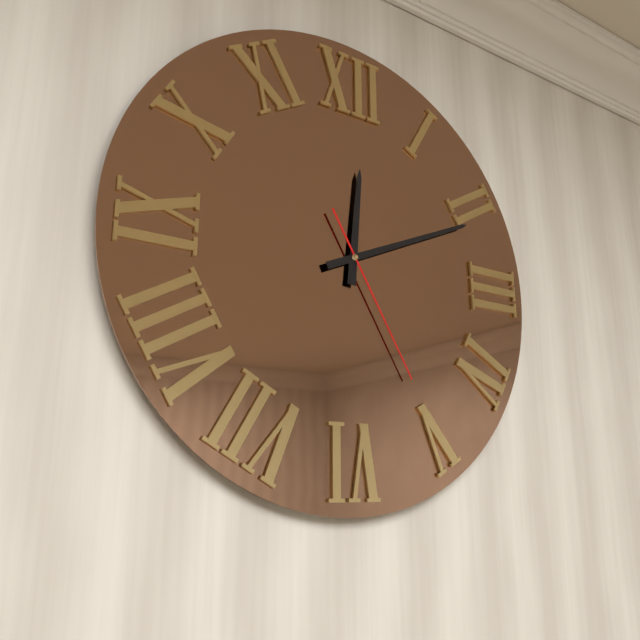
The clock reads 12,11,25
